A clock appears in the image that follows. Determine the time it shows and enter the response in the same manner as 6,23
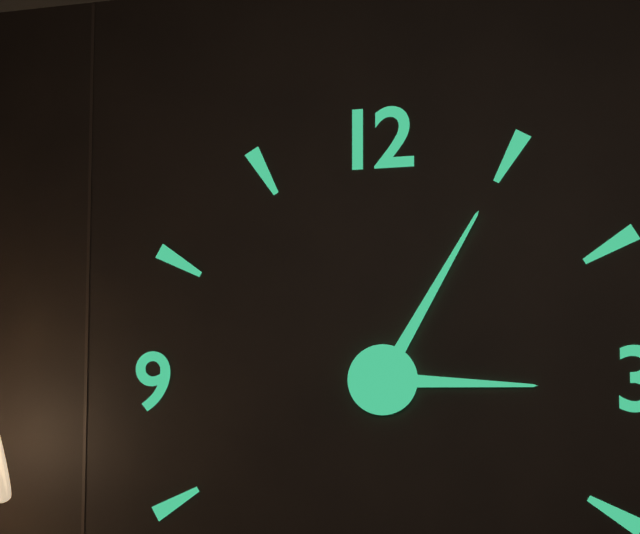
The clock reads 3,05
